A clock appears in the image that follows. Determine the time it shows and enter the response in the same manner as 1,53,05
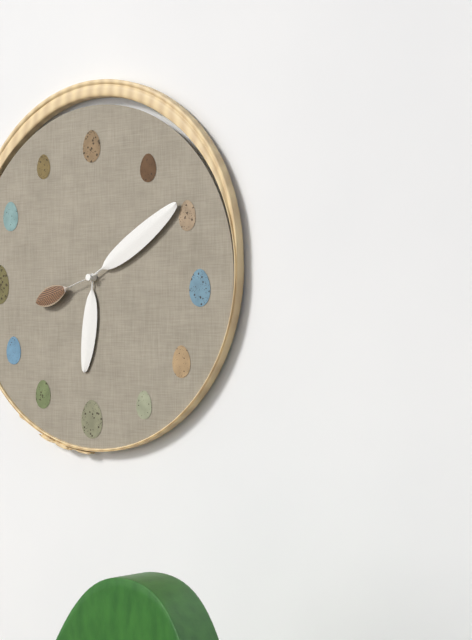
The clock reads 6,10,42
